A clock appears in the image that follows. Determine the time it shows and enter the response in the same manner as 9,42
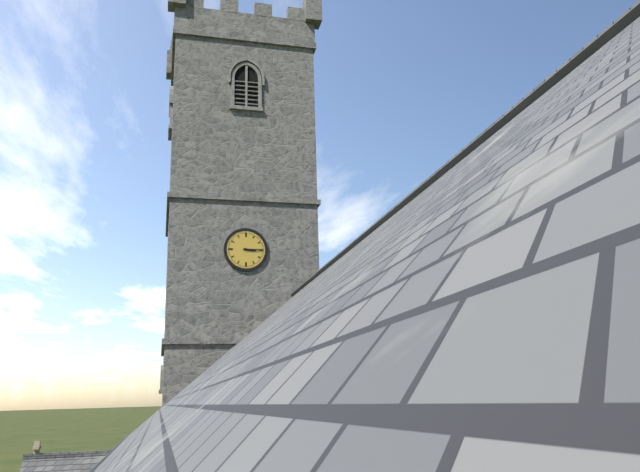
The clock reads 3,15
